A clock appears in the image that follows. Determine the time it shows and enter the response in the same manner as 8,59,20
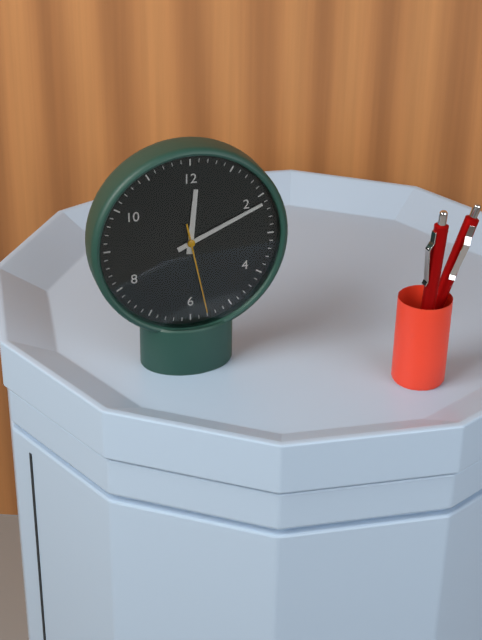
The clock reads 12,11,28
